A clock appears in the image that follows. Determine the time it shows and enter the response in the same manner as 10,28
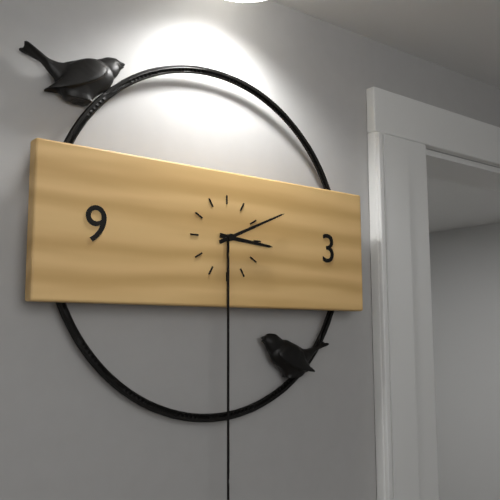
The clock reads 3,11
